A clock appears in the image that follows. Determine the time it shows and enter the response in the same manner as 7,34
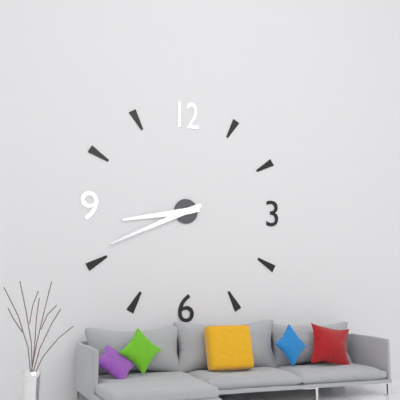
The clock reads 8,41
